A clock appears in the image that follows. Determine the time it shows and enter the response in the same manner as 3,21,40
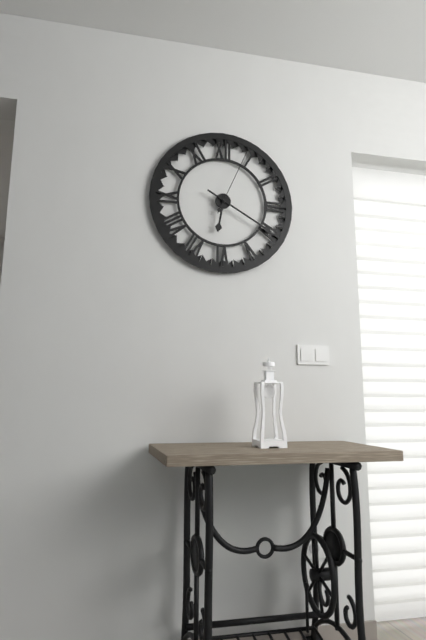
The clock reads 6,20,04
